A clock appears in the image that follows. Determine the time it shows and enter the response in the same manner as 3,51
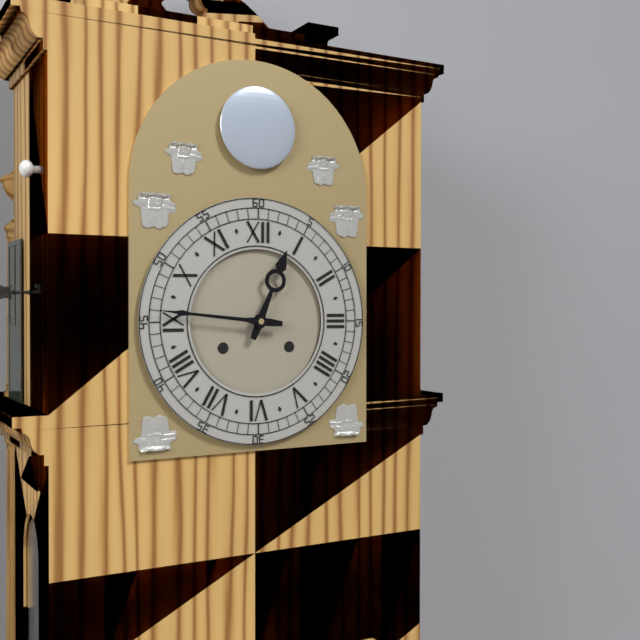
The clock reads 12,46
